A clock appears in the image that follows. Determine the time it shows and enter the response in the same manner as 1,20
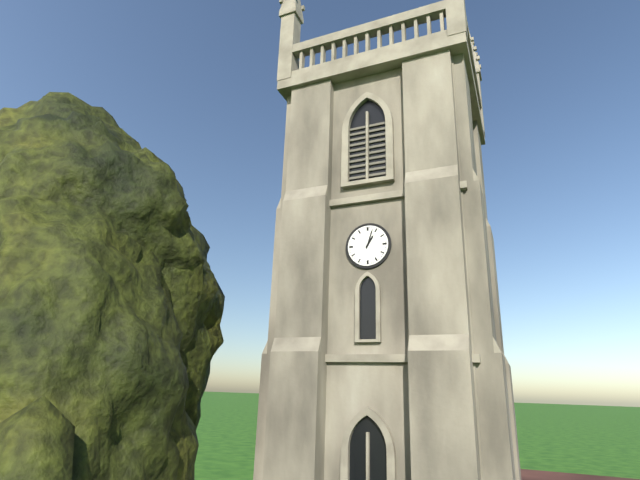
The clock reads 1,03
